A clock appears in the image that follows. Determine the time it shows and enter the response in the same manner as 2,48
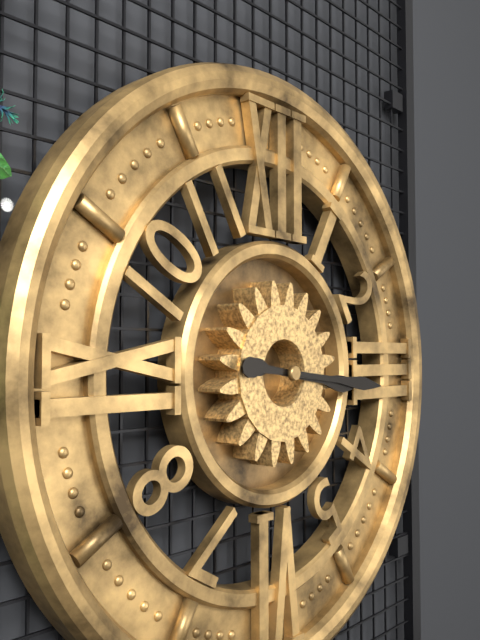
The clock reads 3,16
